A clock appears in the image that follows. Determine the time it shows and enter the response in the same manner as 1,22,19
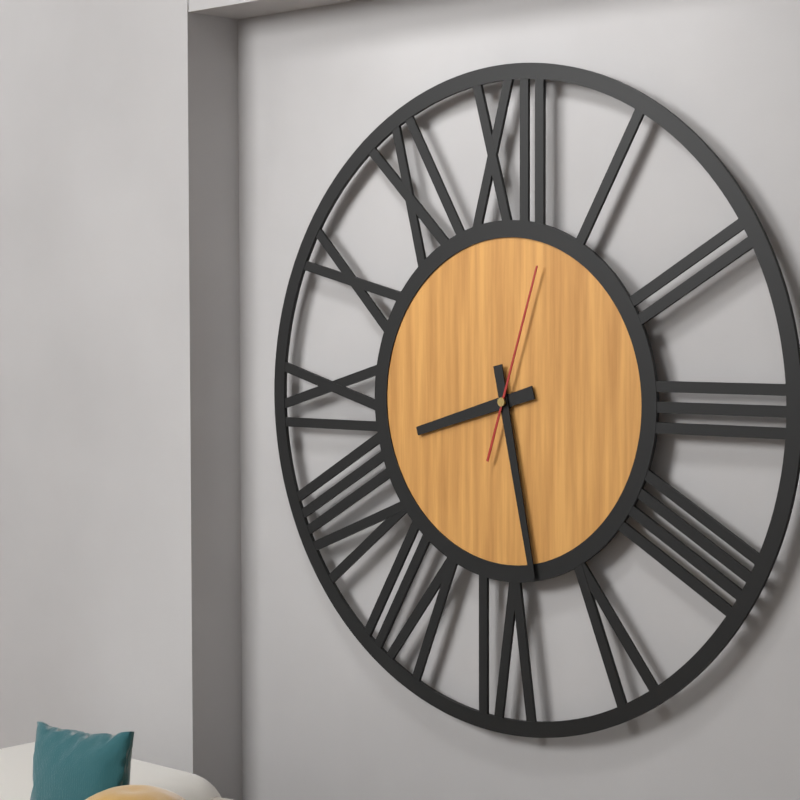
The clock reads 8,28,03
